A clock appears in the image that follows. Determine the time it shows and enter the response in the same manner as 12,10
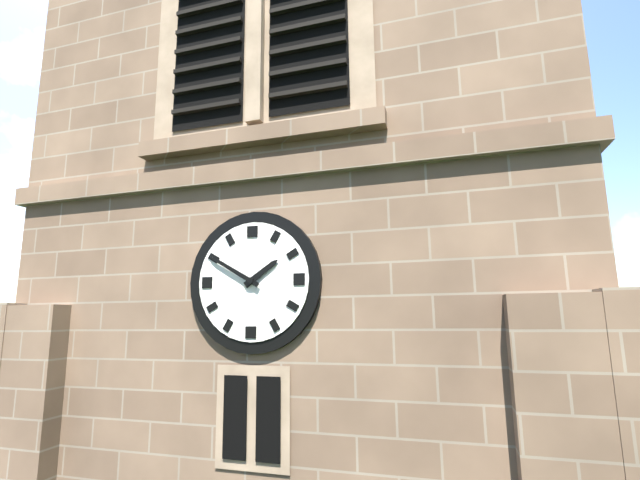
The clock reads 1,50
